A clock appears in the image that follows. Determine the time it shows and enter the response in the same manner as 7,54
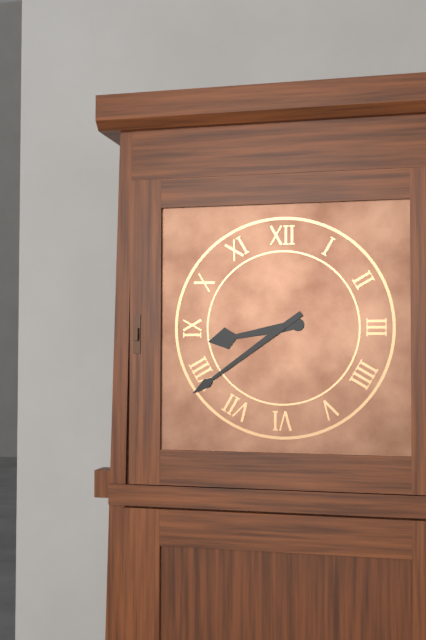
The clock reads 8,39
